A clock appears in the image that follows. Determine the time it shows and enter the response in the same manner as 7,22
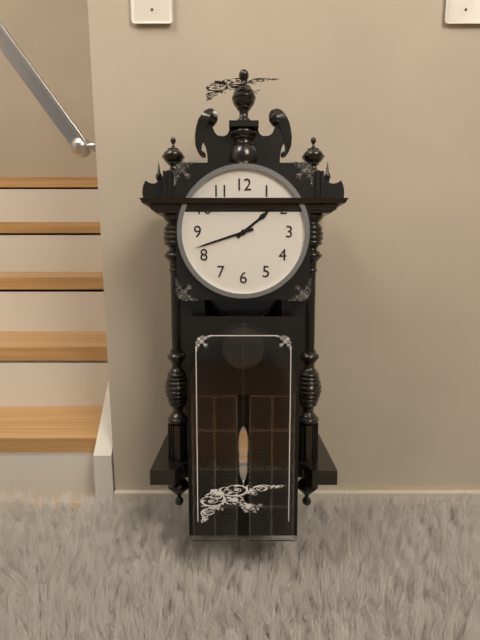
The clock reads 1,42
